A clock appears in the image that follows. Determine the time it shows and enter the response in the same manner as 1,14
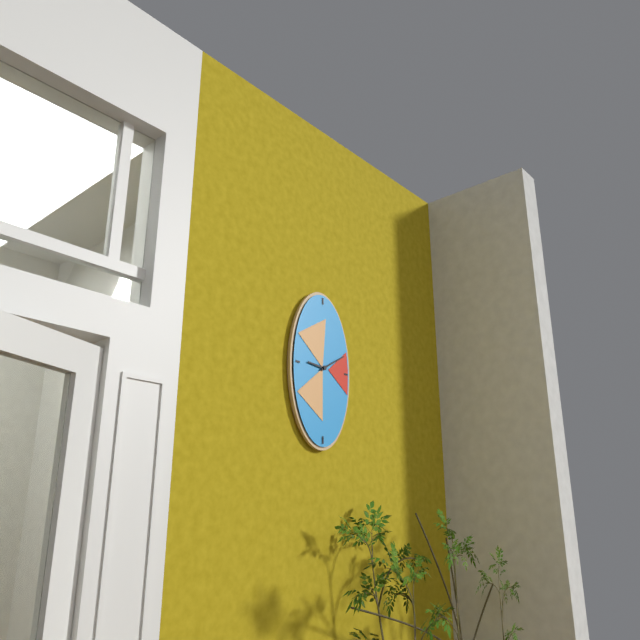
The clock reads 9,10
